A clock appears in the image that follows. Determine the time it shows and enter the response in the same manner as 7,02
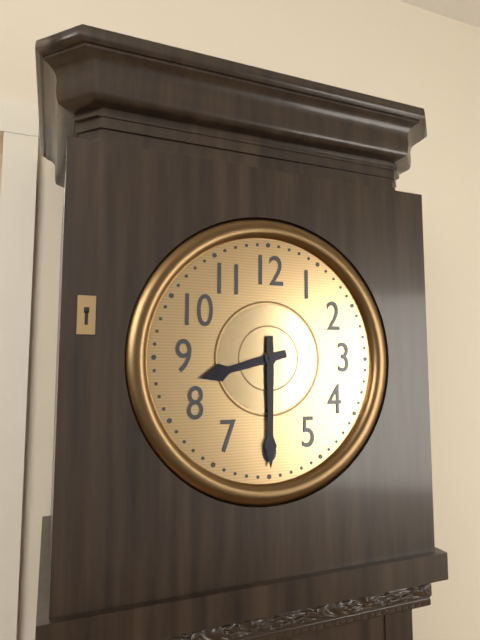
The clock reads 8,30
